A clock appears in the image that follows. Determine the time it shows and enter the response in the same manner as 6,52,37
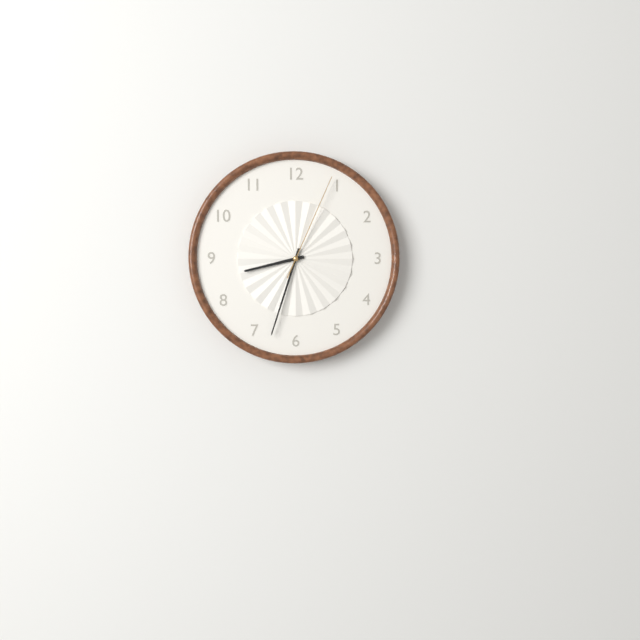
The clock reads 8,33,04
